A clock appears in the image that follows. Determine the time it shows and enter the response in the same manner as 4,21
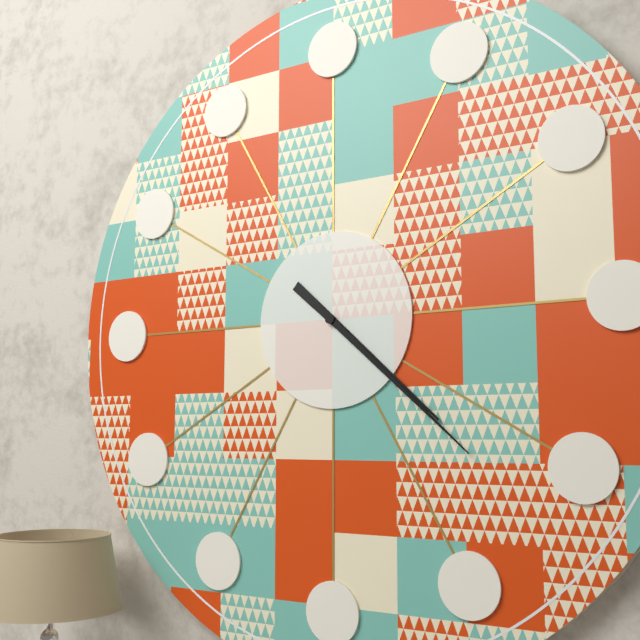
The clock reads 4,22
